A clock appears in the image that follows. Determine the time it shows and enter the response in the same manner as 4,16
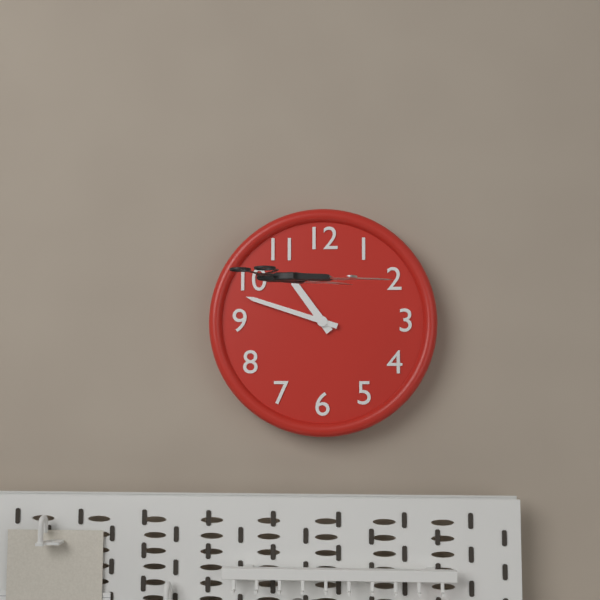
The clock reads 10,48
